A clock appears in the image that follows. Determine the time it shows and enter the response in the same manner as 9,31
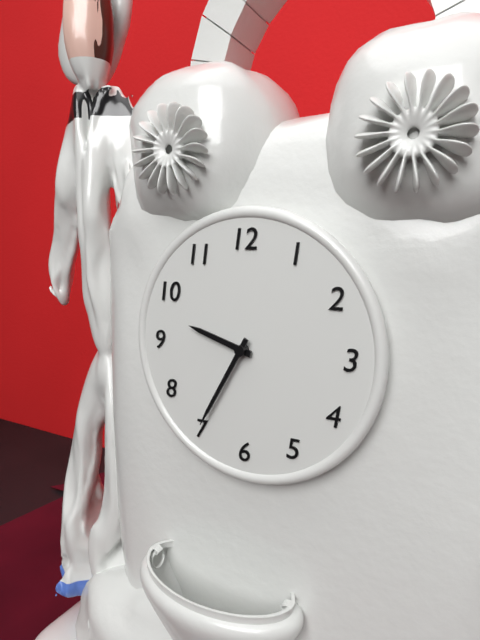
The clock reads 9,35
